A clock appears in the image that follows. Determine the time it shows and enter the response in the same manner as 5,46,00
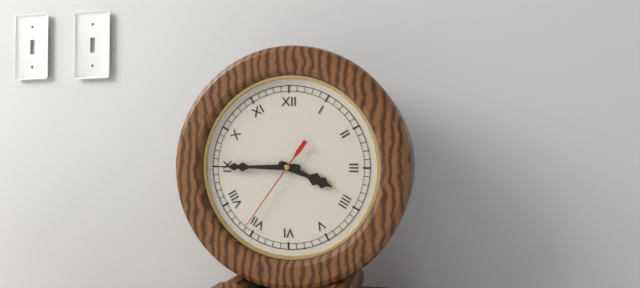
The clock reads 3,45,36
